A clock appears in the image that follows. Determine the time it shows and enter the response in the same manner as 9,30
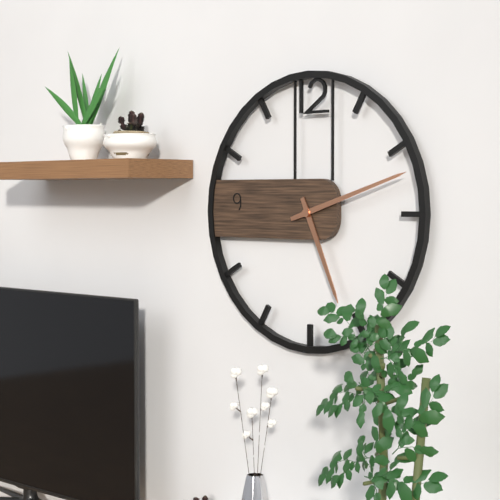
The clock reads 5,12
